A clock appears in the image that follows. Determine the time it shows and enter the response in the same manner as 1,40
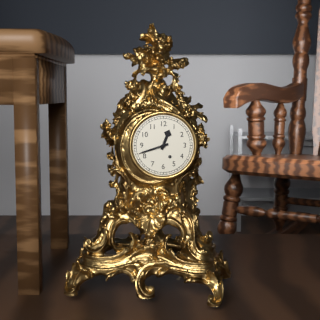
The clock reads 12,42
